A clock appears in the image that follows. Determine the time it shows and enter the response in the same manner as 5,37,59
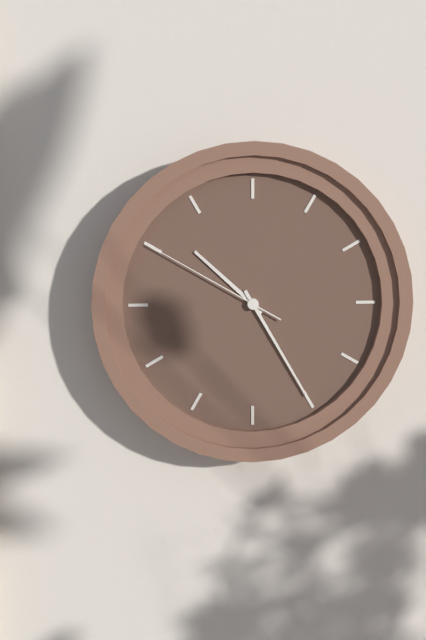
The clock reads 10,25,50
